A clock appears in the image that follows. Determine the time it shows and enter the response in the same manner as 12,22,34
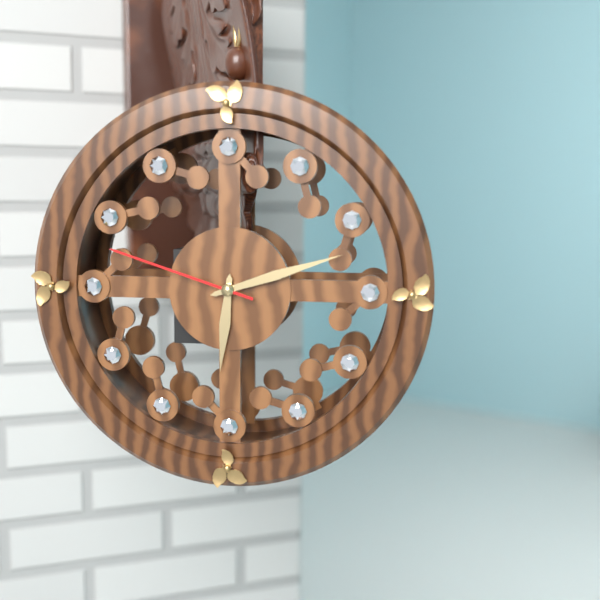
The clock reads 6,12,48
